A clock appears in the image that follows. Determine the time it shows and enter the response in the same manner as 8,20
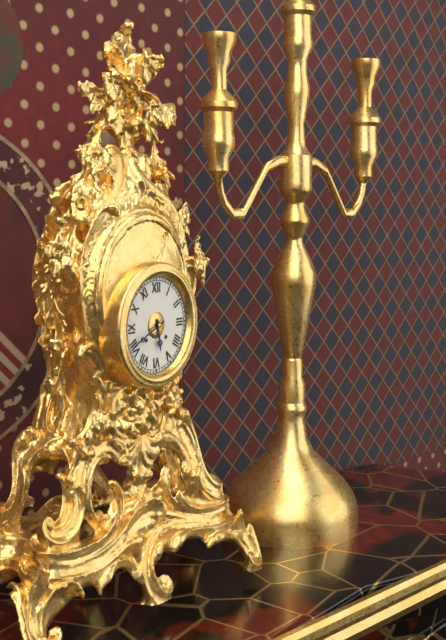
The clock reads 5,41
